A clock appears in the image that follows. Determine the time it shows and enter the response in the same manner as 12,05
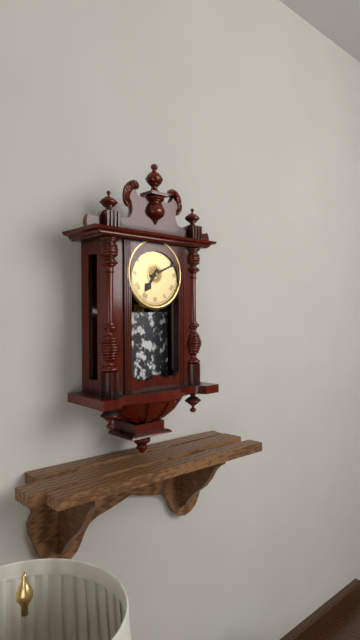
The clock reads 7,11
